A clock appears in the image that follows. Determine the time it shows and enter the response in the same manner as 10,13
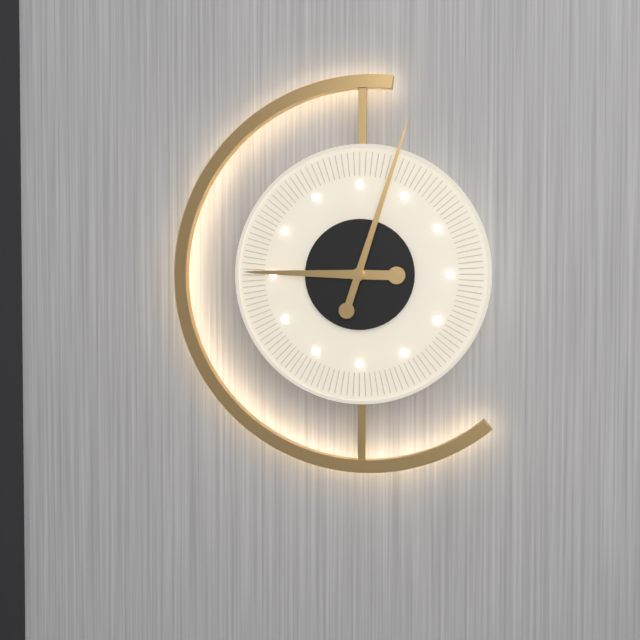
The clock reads 9,03
